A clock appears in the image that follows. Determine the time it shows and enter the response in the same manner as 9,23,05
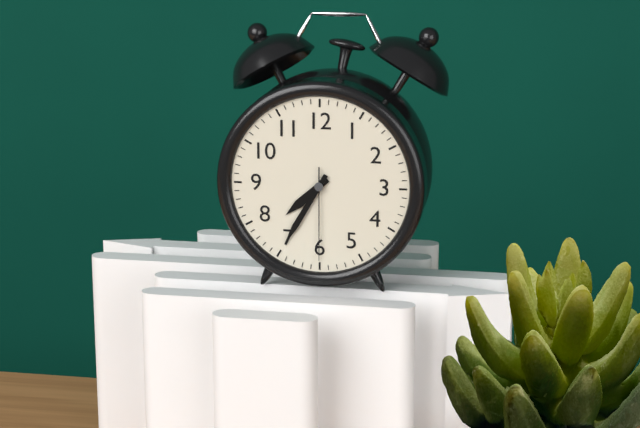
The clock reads 7,35,30
